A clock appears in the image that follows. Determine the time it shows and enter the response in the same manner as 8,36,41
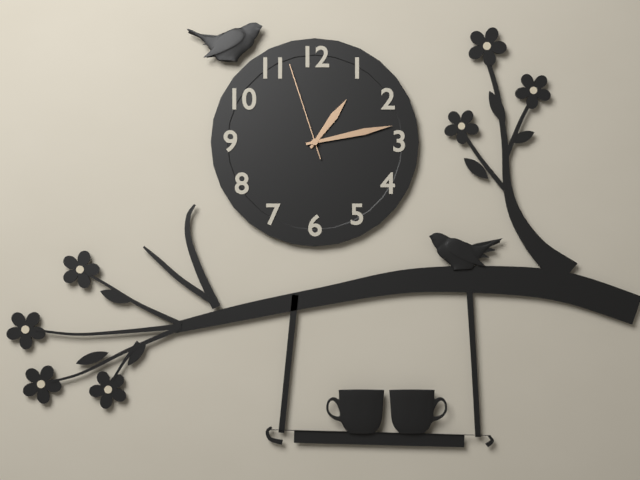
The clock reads 1,13,57
